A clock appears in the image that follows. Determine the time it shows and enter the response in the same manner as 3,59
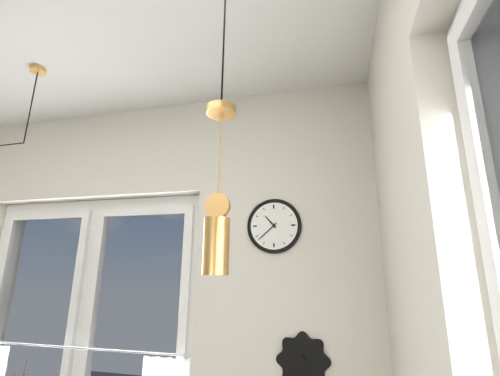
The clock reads 10,38
